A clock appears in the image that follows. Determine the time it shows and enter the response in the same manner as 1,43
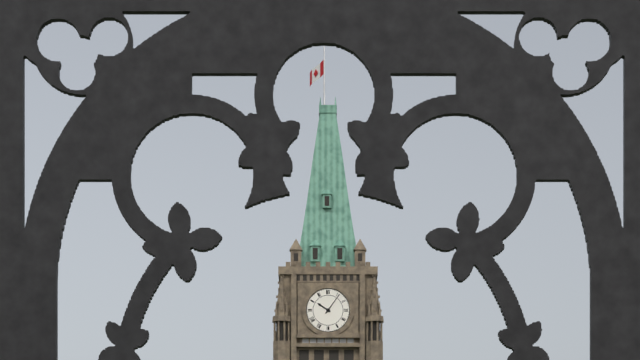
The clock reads 10,06
